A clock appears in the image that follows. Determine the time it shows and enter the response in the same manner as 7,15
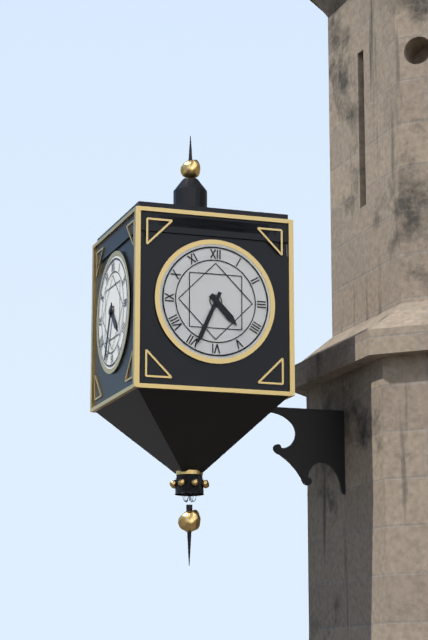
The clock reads 4,34
